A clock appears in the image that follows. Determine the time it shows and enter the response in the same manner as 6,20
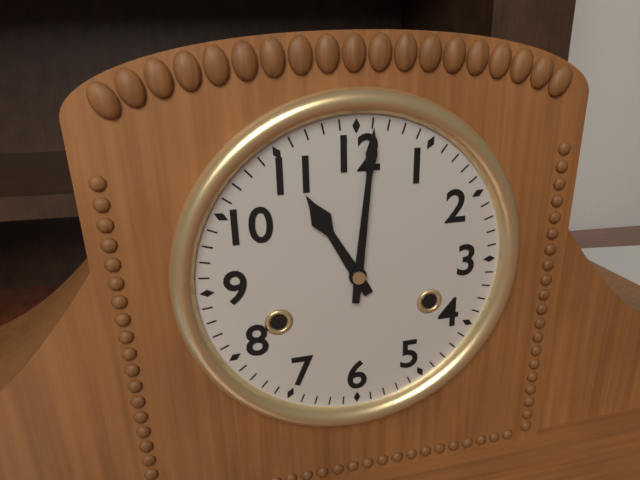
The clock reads 11,01
